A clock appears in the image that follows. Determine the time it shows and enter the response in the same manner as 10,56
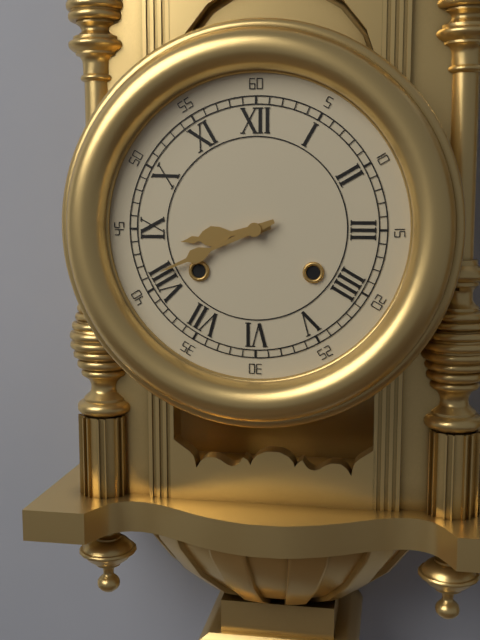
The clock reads 8,41
